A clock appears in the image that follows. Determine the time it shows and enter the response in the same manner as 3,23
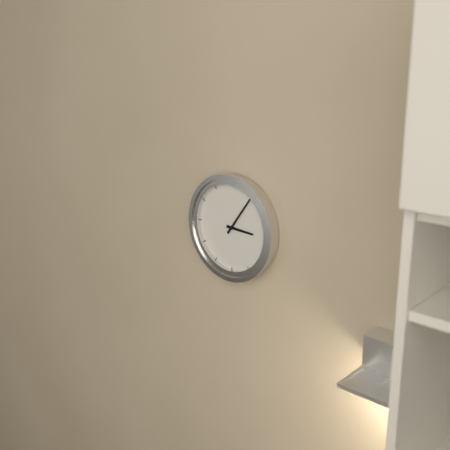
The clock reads 3,06
